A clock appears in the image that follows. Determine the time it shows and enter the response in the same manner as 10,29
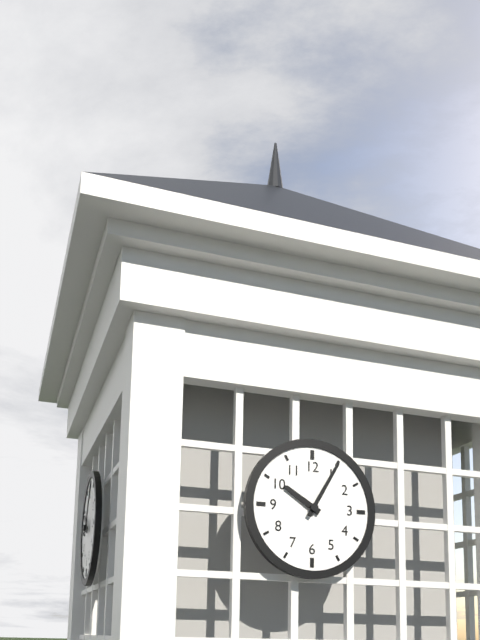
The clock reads 10,05
